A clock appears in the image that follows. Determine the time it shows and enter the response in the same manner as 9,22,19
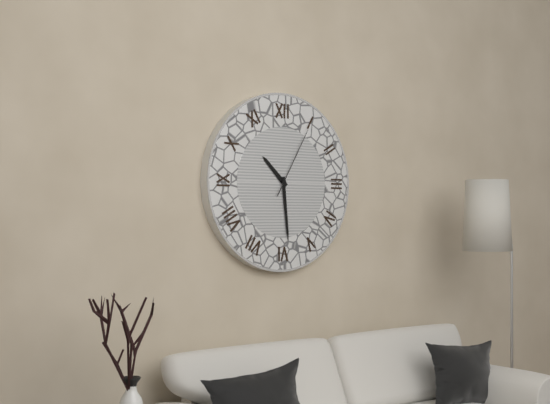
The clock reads 10,29,05
